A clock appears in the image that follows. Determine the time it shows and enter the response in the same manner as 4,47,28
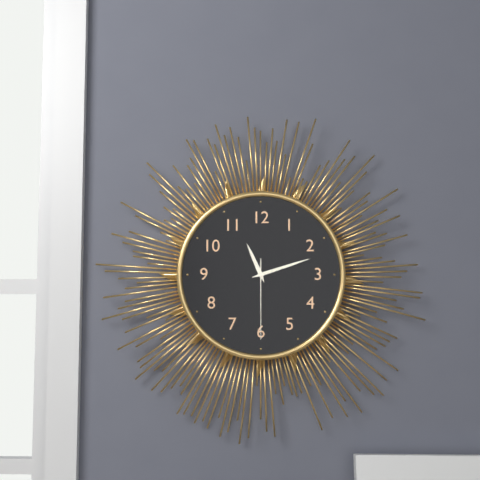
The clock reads 11,12,30
